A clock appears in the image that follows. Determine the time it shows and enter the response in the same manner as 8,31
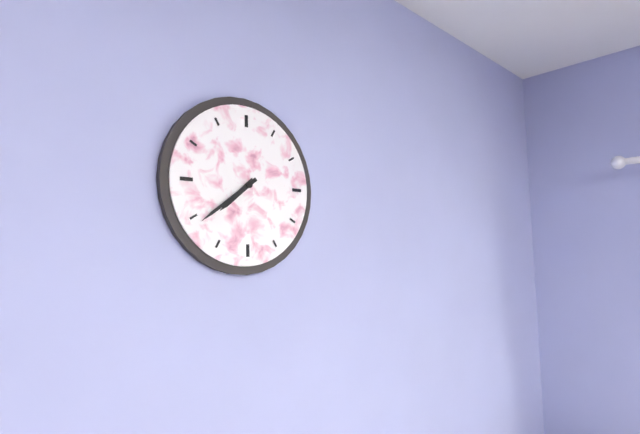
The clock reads 7,39
